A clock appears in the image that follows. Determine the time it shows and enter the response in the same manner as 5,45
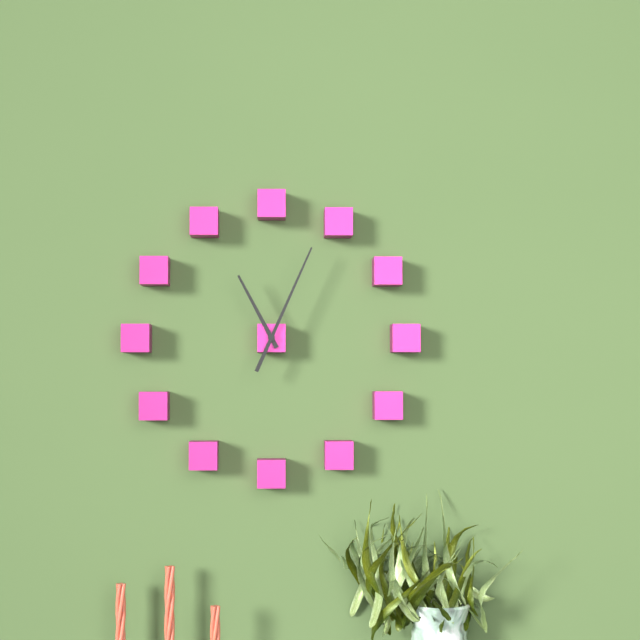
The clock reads 11,04
